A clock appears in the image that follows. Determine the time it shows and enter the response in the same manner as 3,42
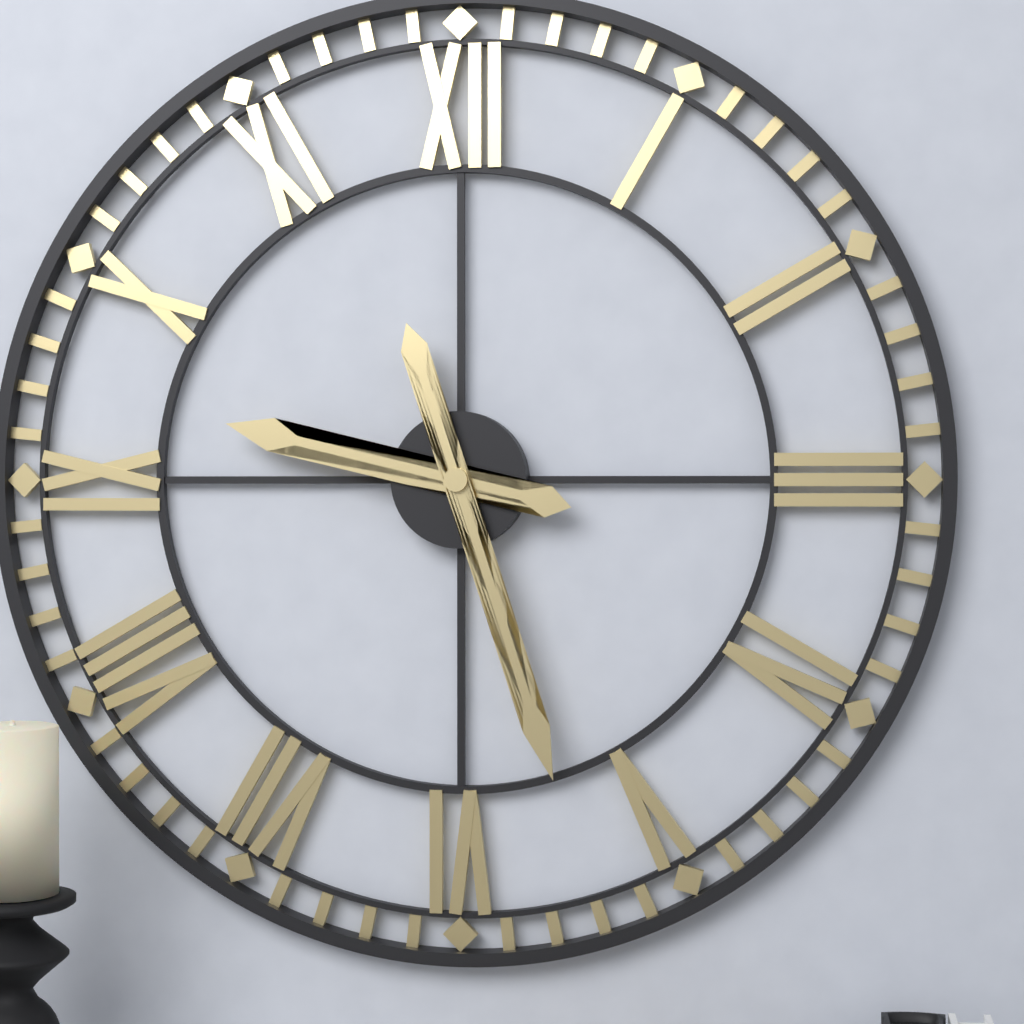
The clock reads 9,27
